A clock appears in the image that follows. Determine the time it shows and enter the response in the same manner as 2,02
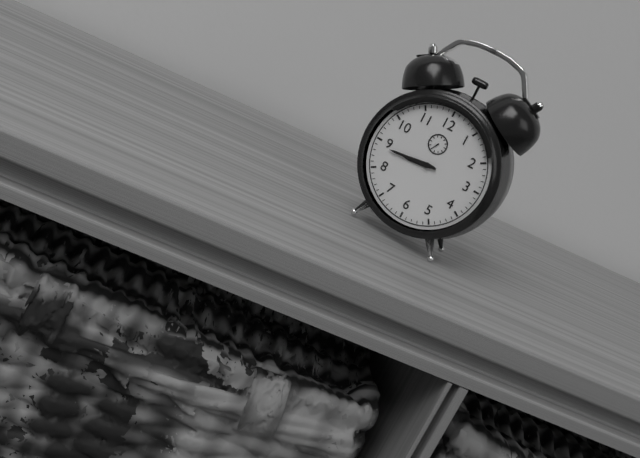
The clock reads 8,44
